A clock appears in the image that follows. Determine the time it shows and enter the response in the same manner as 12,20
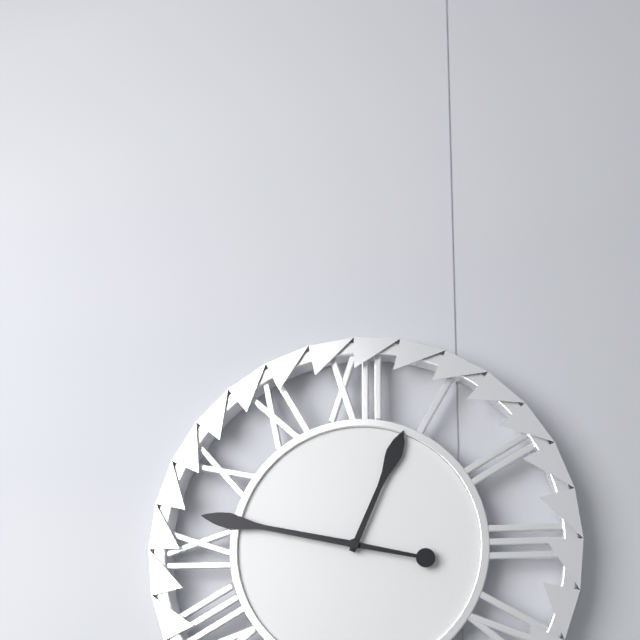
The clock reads 12,47
